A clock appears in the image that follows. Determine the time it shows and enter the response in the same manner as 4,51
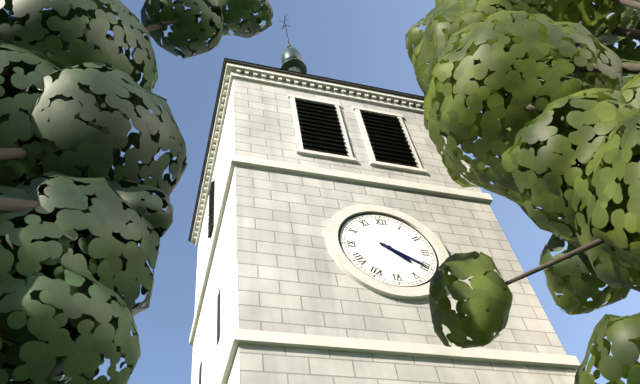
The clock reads 4,20
